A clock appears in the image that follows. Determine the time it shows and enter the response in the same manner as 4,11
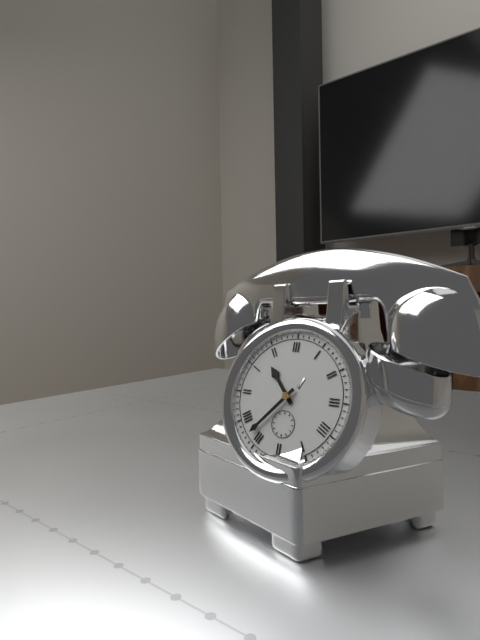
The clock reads 10,37
